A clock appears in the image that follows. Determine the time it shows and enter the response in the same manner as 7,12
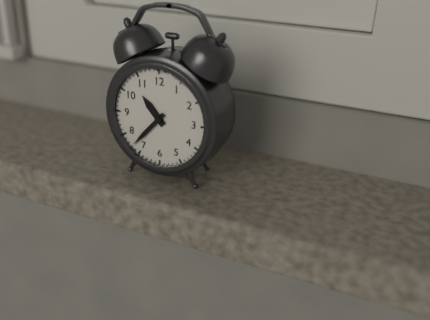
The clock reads 10,37
